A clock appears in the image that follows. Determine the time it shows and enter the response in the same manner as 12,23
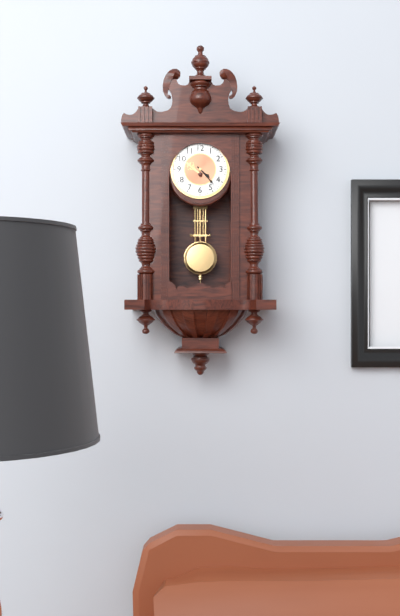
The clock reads 4,23
